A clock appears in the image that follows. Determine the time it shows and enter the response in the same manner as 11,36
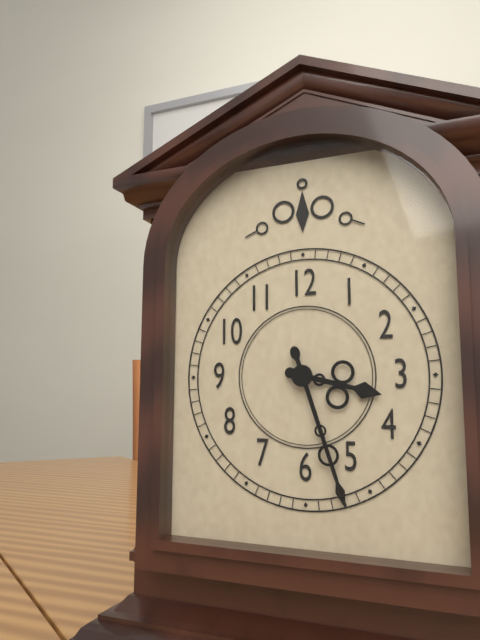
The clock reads 3,27
